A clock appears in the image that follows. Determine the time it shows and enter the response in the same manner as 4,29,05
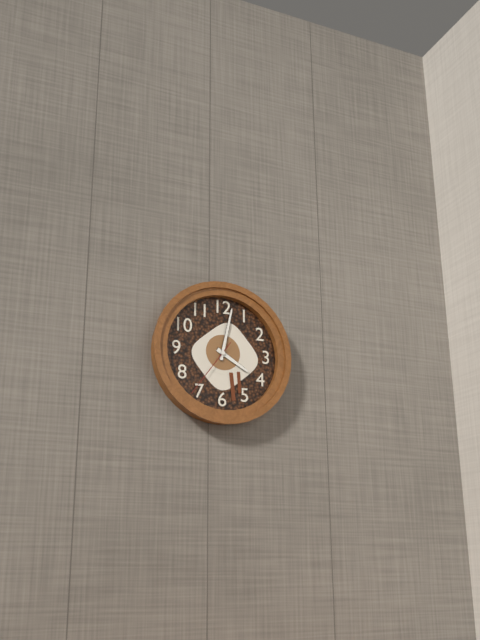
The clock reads 4,02,36
